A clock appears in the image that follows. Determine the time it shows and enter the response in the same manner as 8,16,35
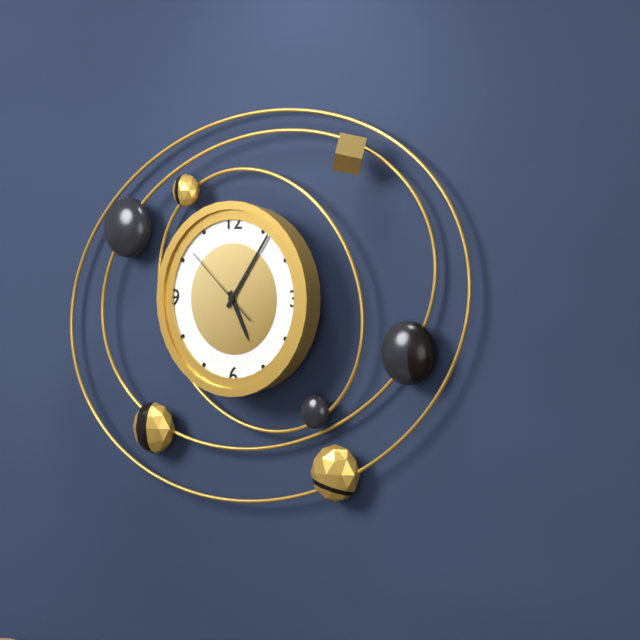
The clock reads 5,06,52
